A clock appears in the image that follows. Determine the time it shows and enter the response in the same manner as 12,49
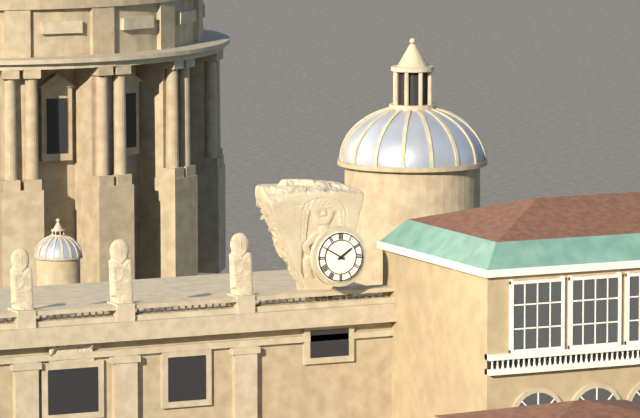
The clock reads 1,50
